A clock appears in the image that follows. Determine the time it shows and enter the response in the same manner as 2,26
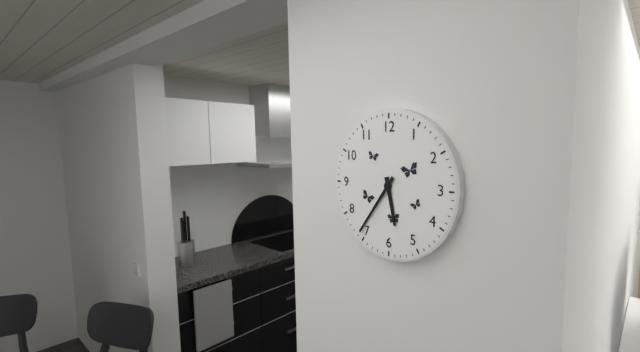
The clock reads 5,36
